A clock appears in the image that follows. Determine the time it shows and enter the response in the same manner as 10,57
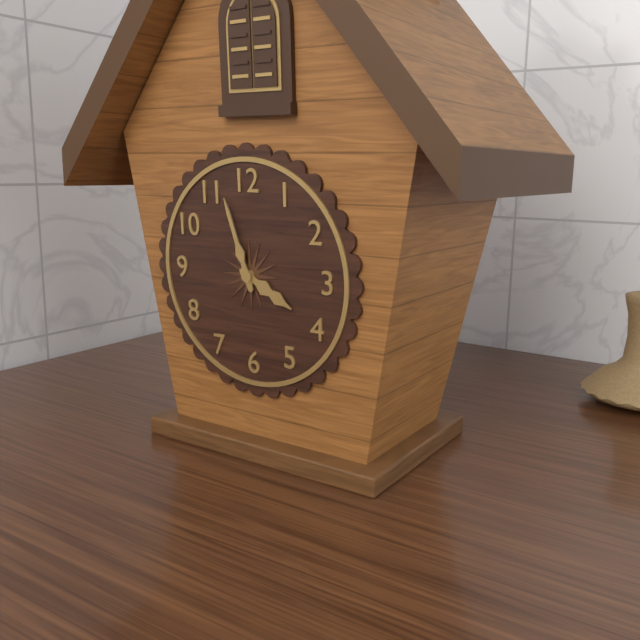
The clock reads 3,57
